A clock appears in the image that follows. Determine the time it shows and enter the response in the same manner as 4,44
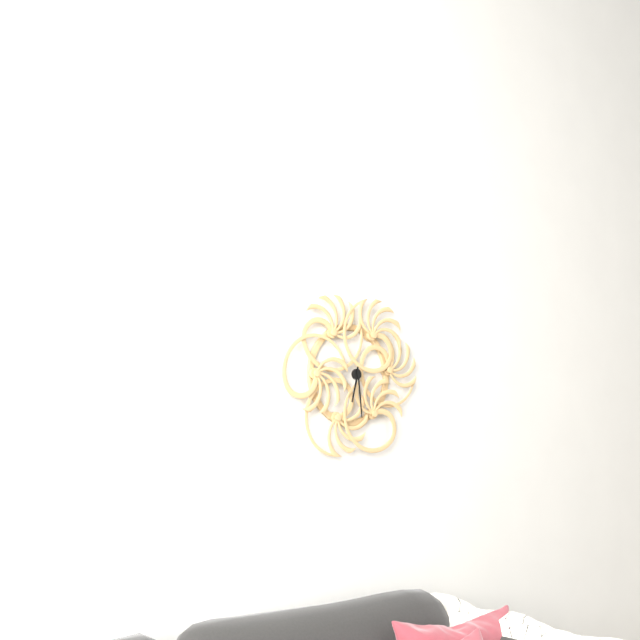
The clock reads 6,29
